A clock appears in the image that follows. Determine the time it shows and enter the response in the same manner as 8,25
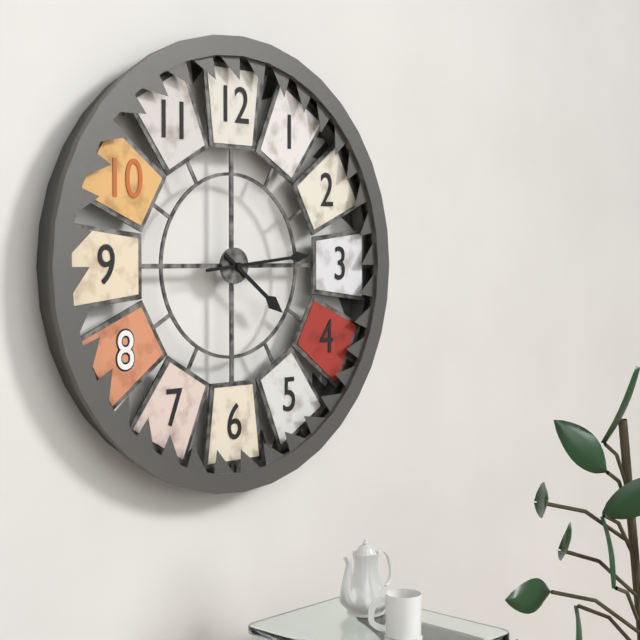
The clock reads 4,14
